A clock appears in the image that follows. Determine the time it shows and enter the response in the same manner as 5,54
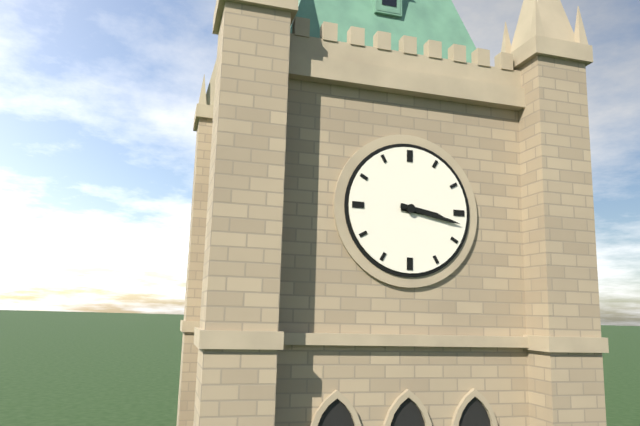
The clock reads 3,17
